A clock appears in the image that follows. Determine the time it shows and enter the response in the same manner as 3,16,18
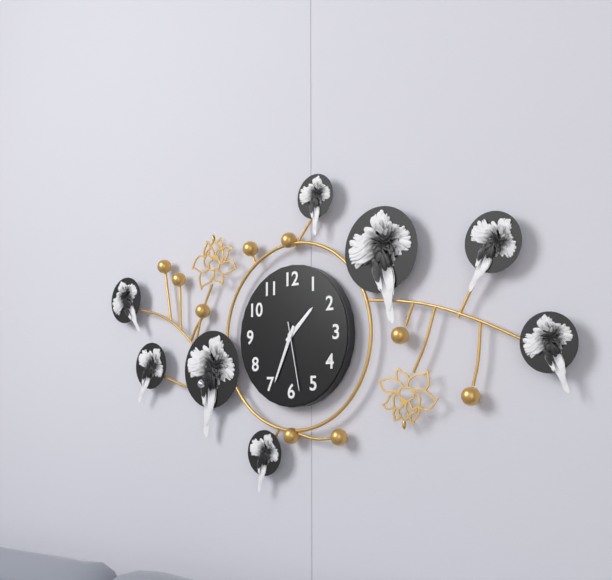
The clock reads 1,34,28
